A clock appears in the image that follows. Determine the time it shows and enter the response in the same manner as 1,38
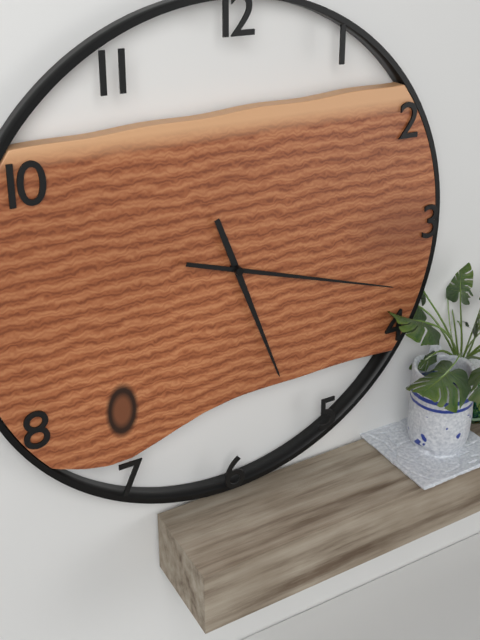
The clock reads 5,18
